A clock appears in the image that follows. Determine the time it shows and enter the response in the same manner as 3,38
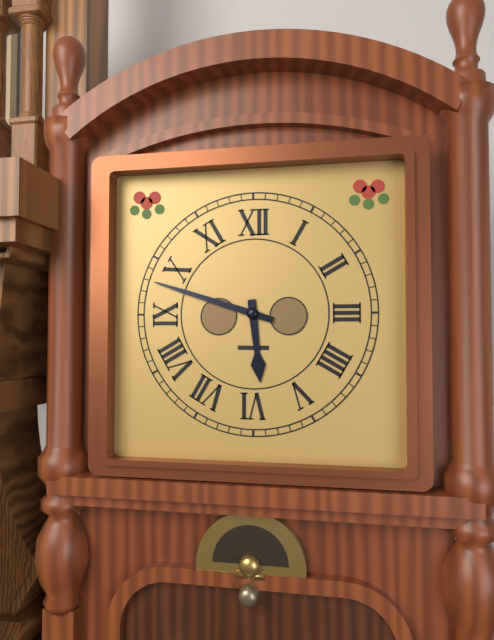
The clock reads 5,48
